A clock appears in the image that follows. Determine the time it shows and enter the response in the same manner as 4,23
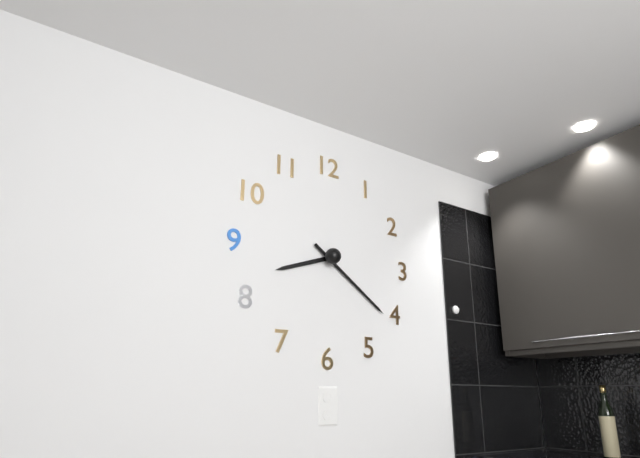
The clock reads 8,21
